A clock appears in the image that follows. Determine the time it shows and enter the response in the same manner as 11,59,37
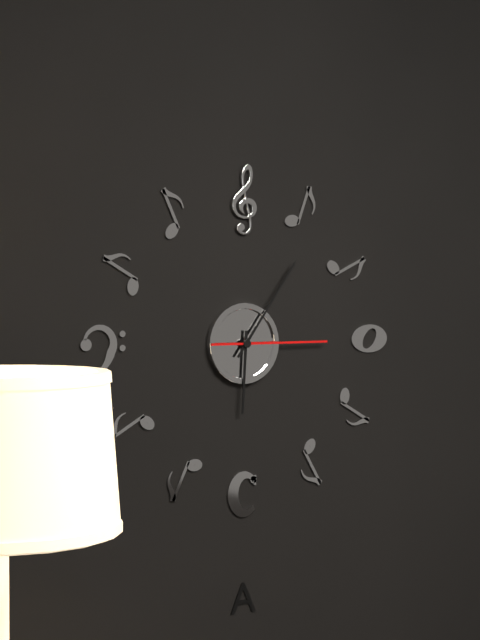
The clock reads 6,06,15
